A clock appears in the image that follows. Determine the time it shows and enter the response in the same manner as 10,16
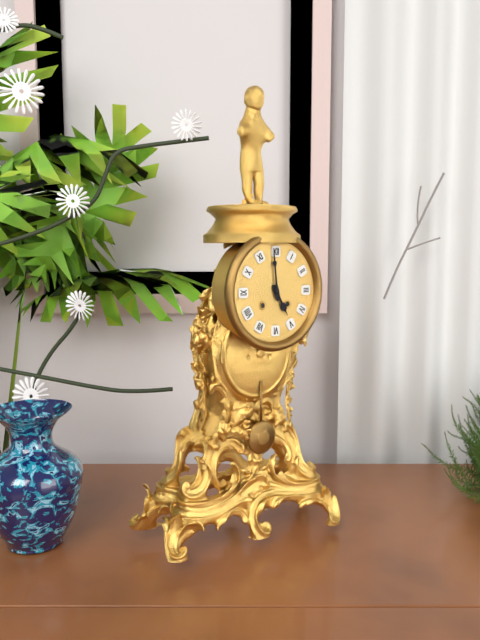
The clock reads 4,59
